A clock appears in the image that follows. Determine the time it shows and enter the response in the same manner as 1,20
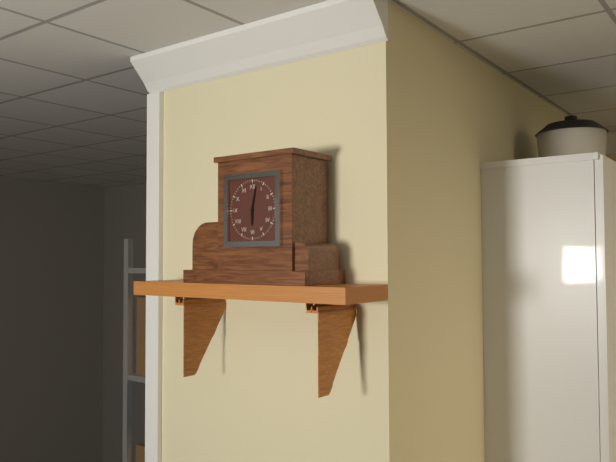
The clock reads 6,02
